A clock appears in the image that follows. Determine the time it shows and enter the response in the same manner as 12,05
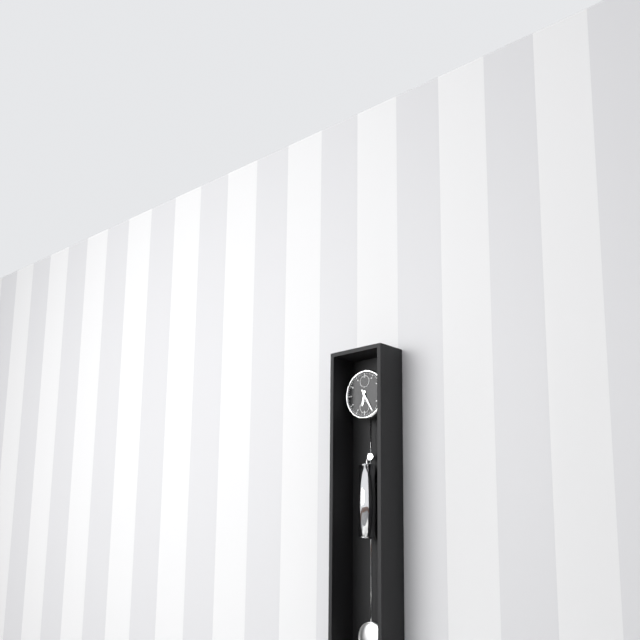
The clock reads 6,25
